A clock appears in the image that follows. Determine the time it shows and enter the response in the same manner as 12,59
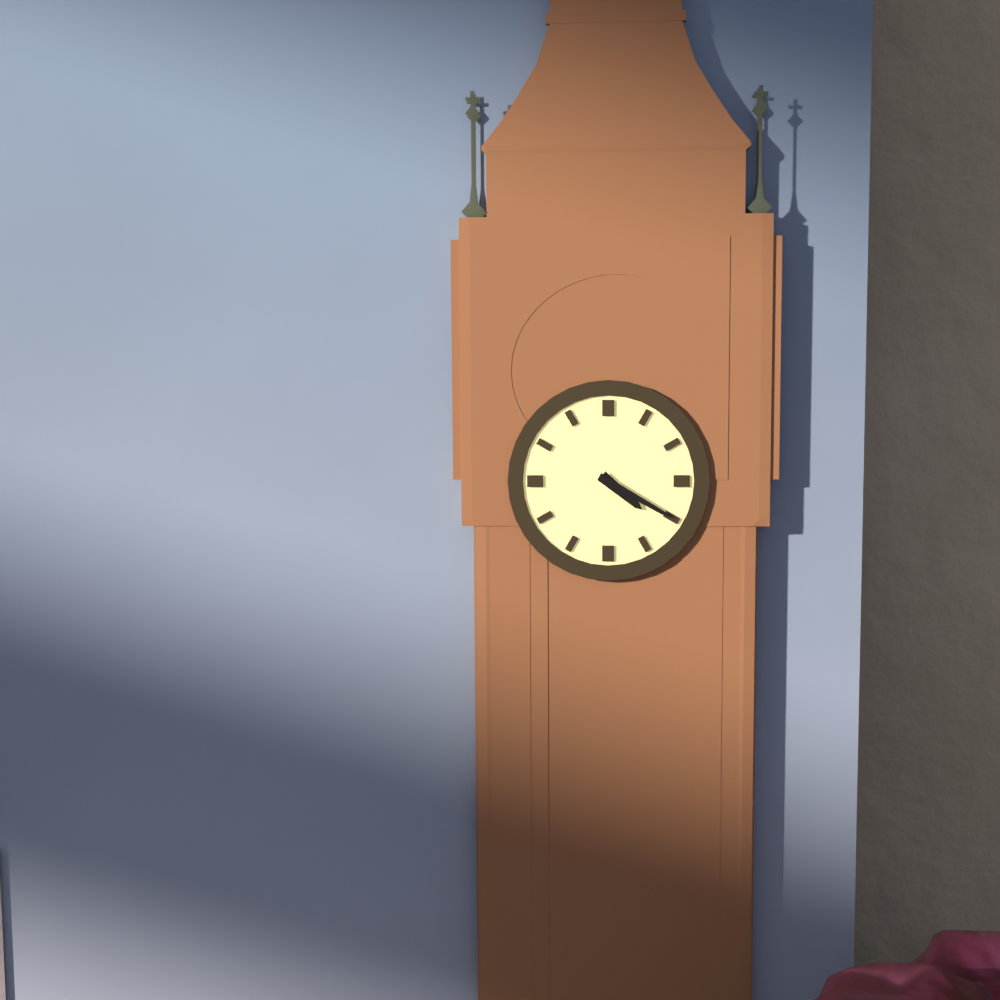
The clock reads 4,20
